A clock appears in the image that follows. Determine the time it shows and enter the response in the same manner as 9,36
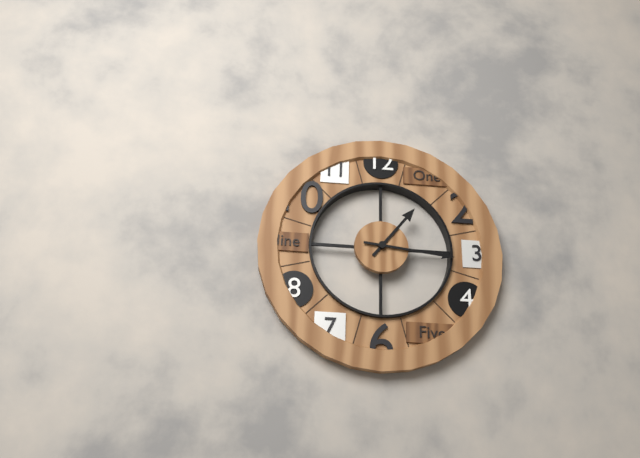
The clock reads 1,16
